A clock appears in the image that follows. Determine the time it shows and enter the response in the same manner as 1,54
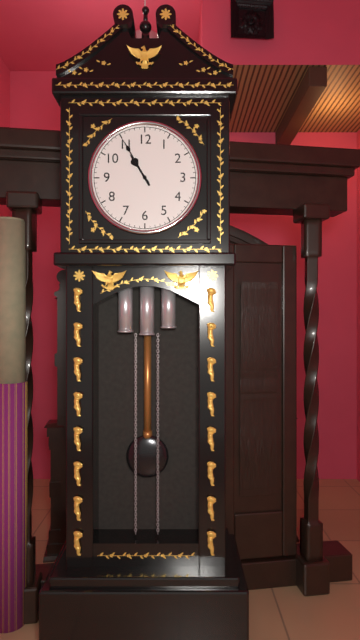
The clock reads 10,55
